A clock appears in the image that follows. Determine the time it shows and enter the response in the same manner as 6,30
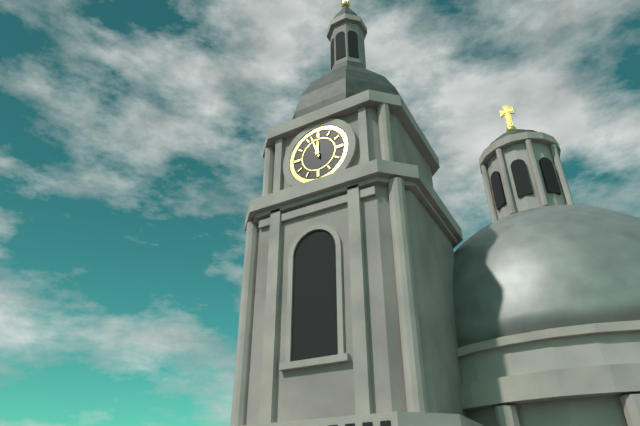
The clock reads 11,57
